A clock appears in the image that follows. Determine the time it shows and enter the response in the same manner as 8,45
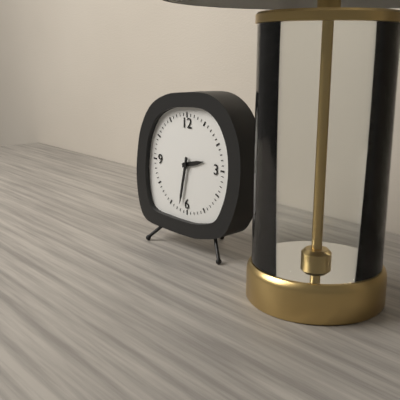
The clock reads 2,32
